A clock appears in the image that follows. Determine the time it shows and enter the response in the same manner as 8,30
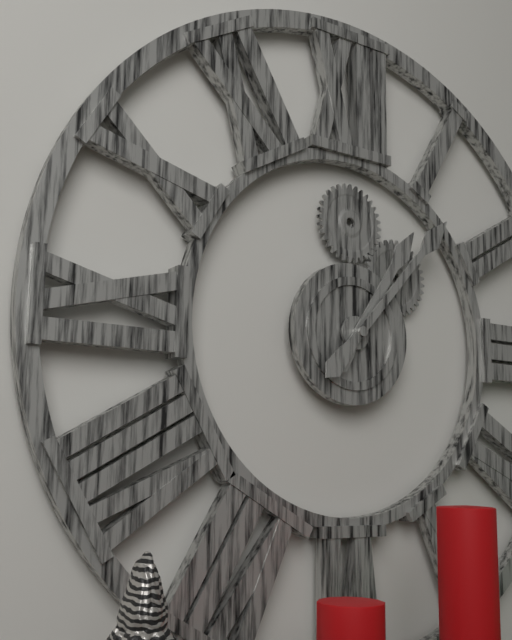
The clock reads 1,07
